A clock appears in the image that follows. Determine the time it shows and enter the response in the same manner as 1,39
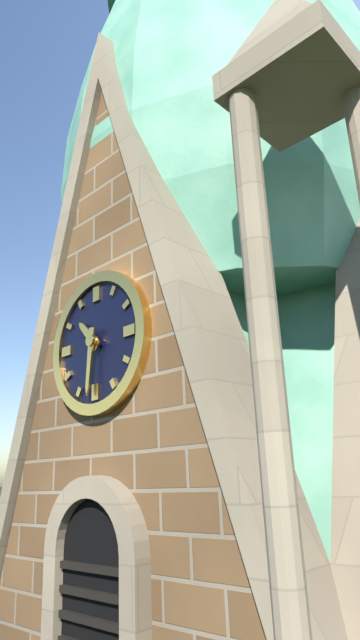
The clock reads 10,31
